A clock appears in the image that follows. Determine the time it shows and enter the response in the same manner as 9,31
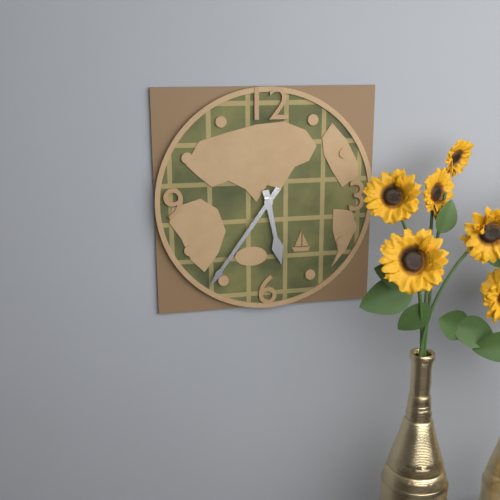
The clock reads 5,36
